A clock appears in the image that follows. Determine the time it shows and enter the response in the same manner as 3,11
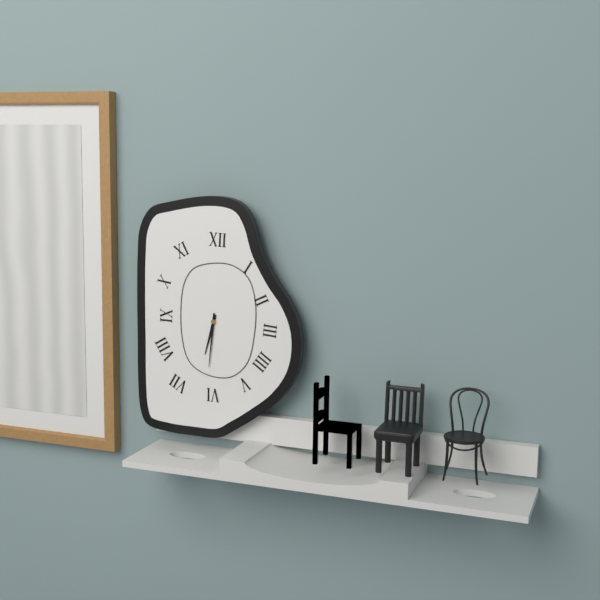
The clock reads 6,31
